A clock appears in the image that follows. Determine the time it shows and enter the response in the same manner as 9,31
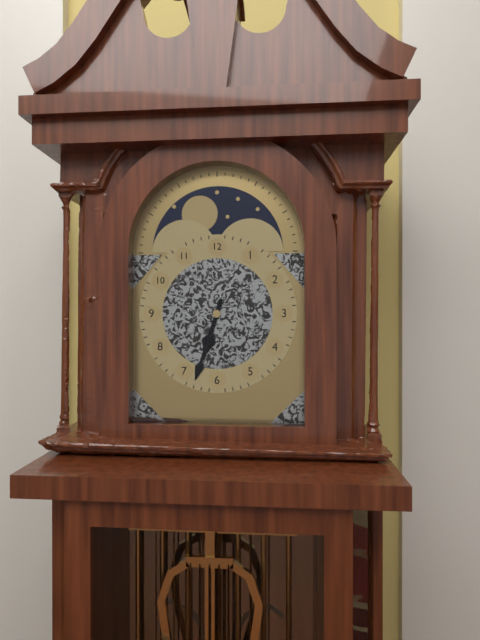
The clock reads 6,33
